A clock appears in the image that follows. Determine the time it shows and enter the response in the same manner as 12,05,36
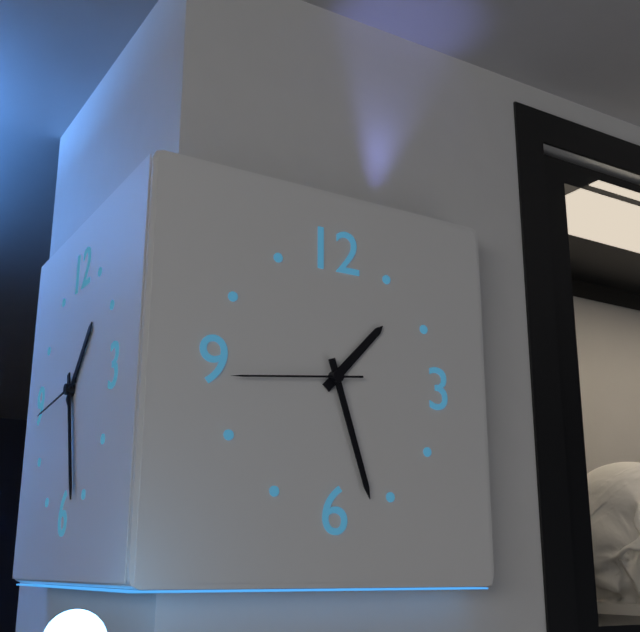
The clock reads 1,27,44
